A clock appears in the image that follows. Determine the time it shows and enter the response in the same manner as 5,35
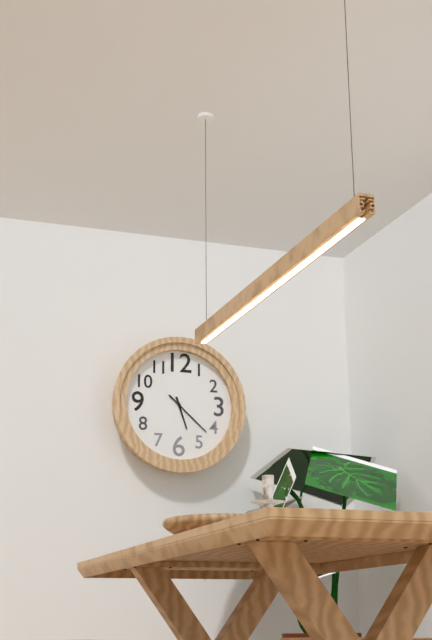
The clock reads 5,22
